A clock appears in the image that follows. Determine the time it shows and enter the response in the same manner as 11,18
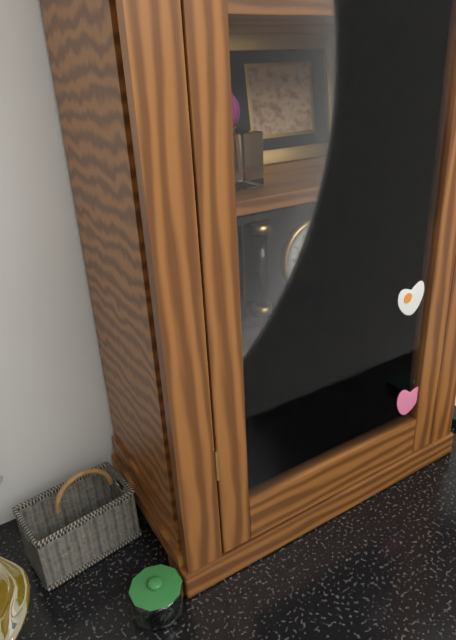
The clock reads 9,31
